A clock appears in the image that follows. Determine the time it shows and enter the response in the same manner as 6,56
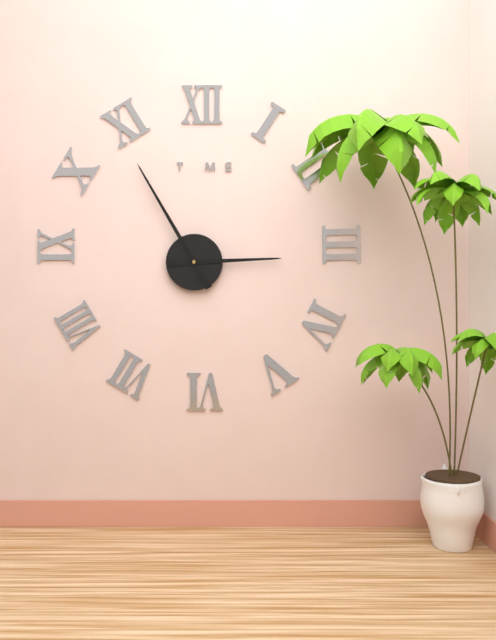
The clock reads 2,55
